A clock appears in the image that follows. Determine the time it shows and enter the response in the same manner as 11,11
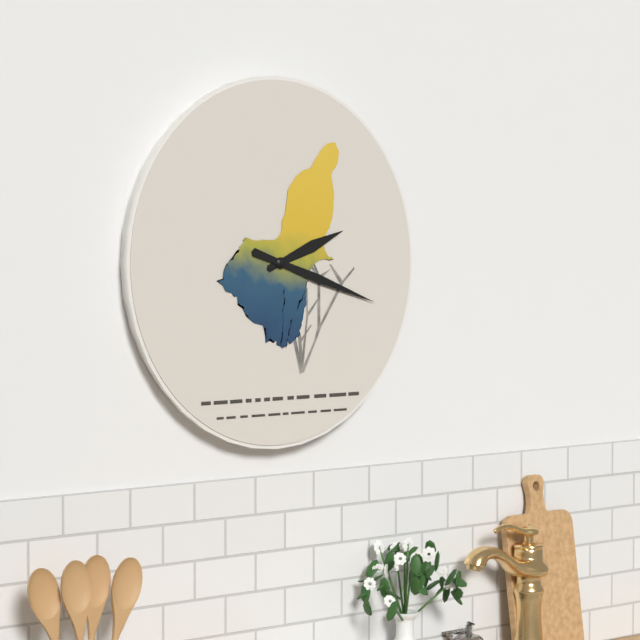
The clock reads 2,18
